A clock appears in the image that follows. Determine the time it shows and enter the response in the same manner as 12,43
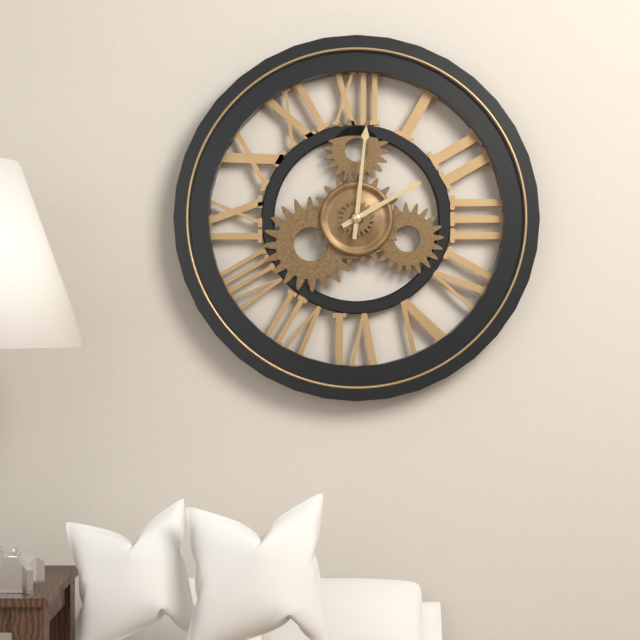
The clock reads 2,01
